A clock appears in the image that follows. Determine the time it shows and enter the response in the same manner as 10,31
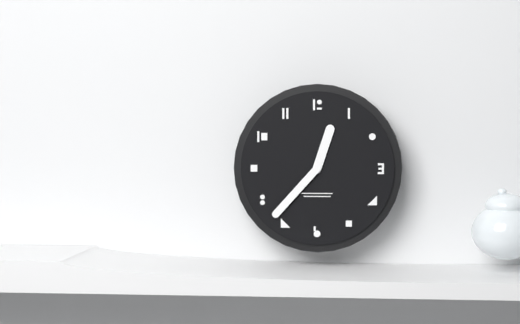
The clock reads 12,37
